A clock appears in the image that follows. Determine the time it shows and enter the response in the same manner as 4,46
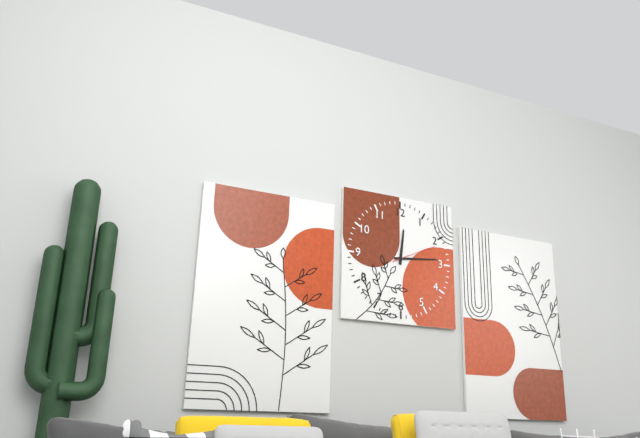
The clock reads 12,14
